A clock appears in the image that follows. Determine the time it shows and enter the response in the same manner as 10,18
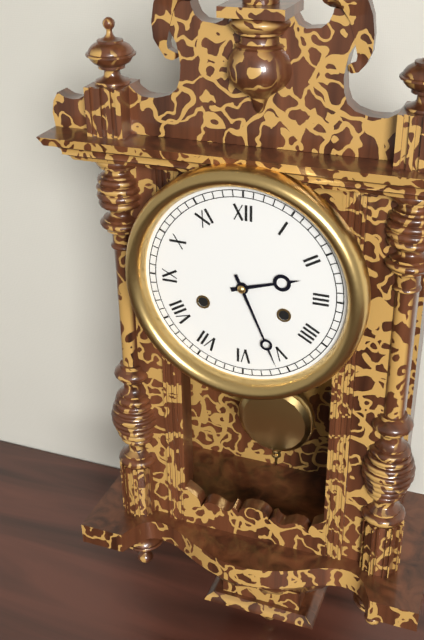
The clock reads 2,26
